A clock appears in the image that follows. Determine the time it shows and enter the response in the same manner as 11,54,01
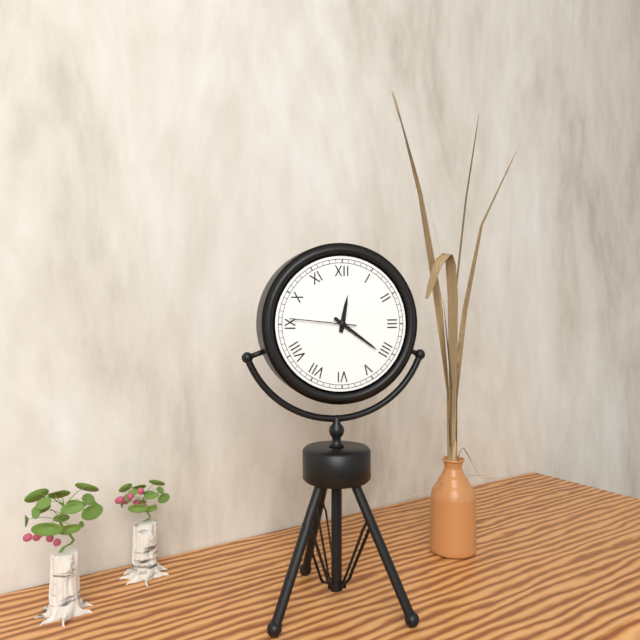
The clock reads 12,21,46
